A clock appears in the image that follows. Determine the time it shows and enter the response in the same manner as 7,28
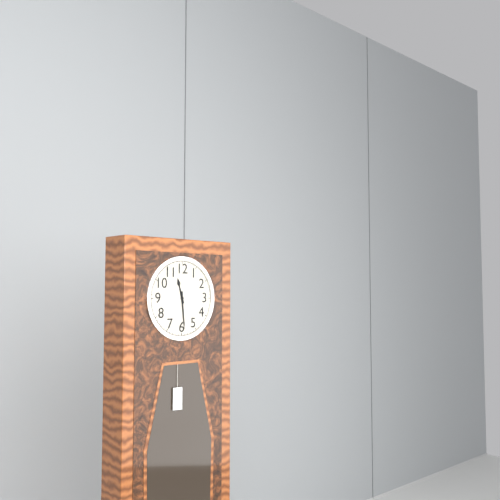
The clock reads 11,29
